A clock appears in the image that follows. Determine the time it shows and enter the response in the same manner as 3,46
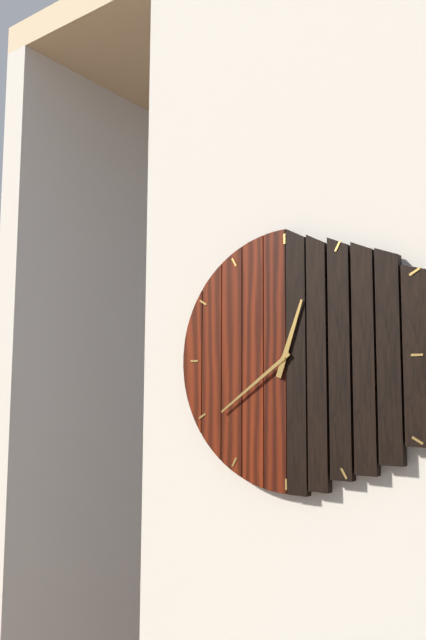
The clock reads 12,39
